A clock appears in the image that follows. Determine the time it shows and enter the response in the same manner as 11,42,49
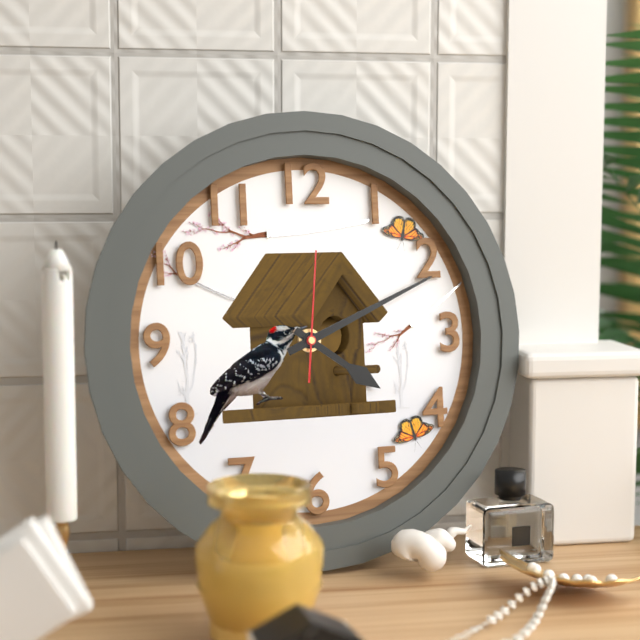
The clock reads 4,11,01
